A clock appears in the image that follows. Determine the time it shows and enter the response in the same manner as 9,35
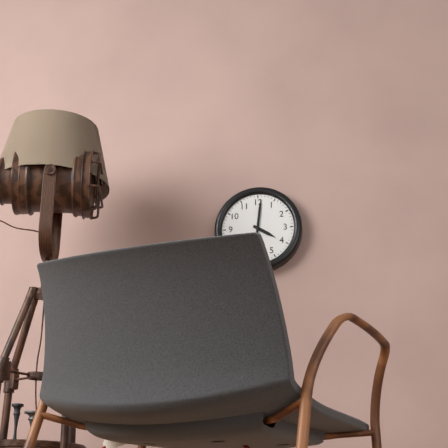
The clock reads 4,01
